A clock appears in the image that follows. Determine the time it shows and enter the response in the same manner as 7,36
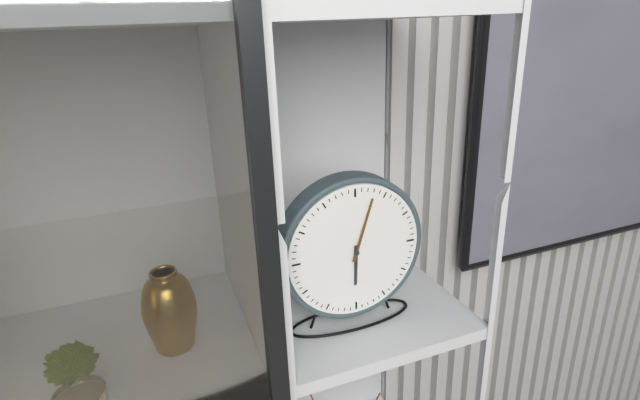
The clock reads 6,03
